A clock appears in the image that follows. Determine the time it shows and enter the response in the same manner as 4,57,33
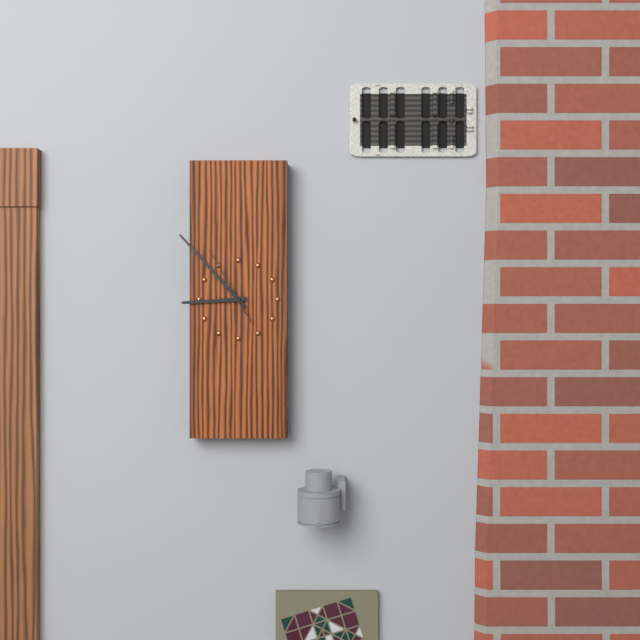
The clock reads 8,53,55
